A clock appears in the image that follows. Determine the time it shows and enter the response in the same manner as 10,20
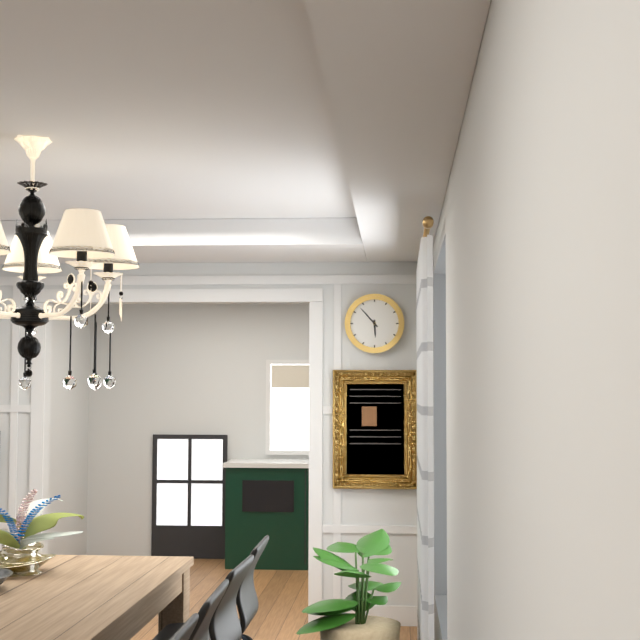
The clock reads 5,53
